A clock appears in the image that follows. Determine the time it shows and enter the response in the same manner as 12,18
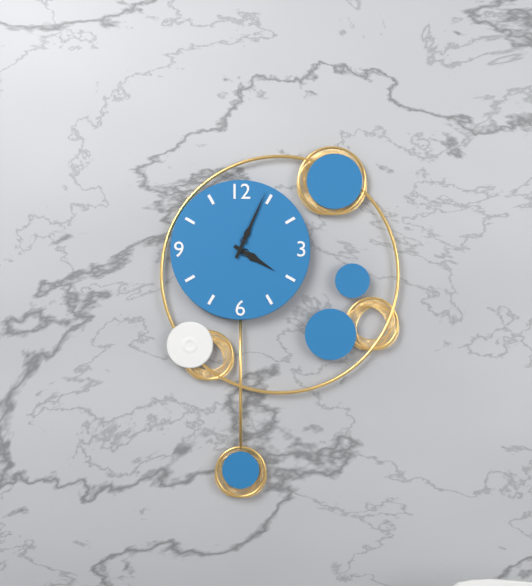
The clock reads 4,04
